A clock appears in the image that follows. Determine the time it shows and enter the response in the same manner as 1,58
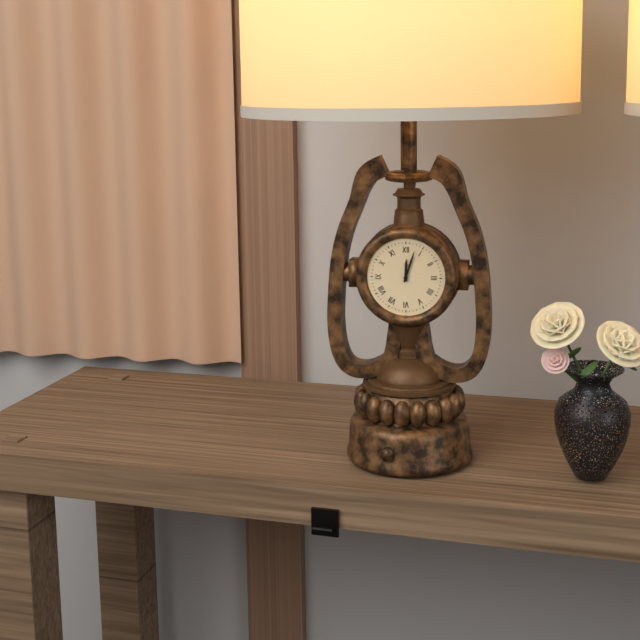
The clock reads 12,03
